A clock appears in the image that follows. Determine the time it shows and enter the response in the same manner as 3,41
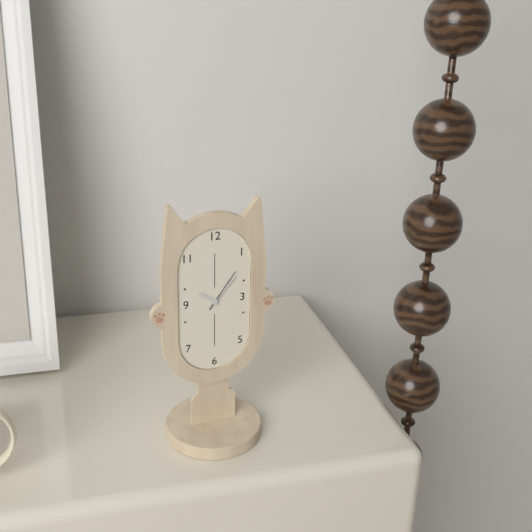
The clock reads 10,07
